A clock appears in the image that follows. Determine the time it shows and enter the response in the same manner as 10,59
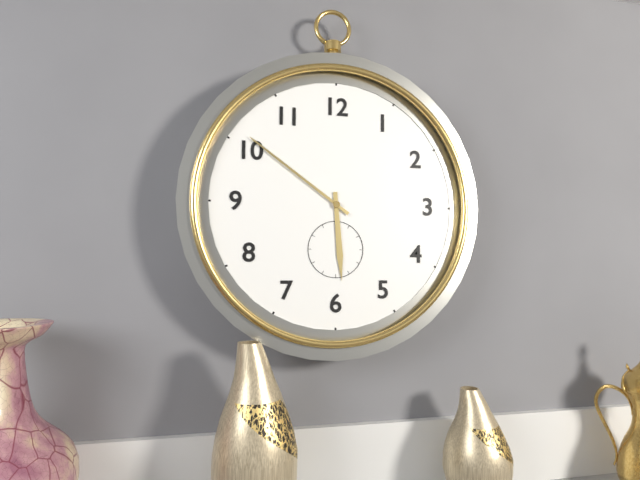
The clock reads 5,51
